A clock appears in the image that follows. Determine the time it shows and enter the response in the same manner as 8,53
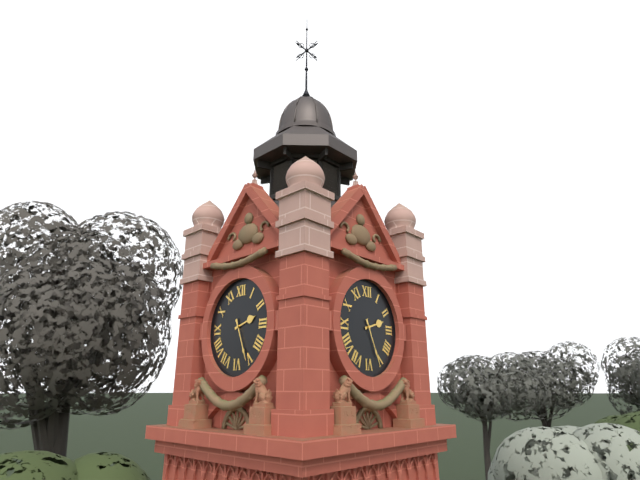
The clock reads 2,26
